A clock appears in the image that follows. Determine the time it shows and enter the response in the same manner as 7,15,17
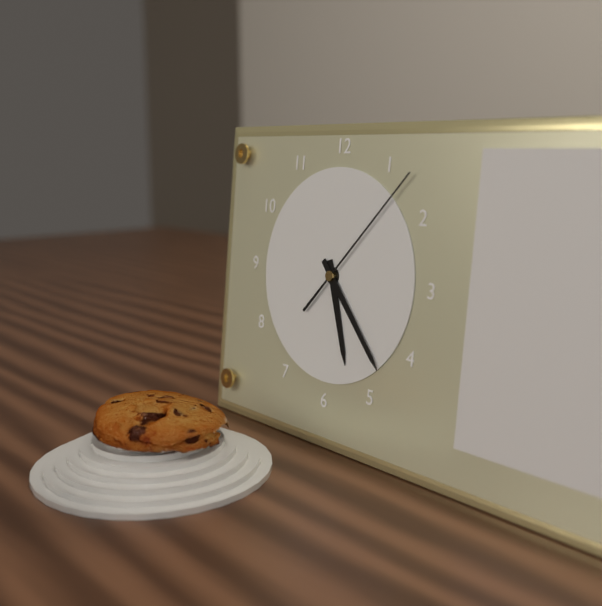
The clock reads 5,23,07
